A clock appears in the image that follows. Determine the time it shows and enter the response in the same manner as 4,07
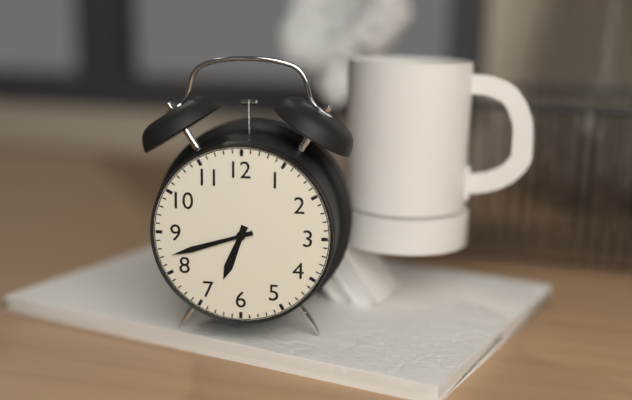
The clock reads 6,42
